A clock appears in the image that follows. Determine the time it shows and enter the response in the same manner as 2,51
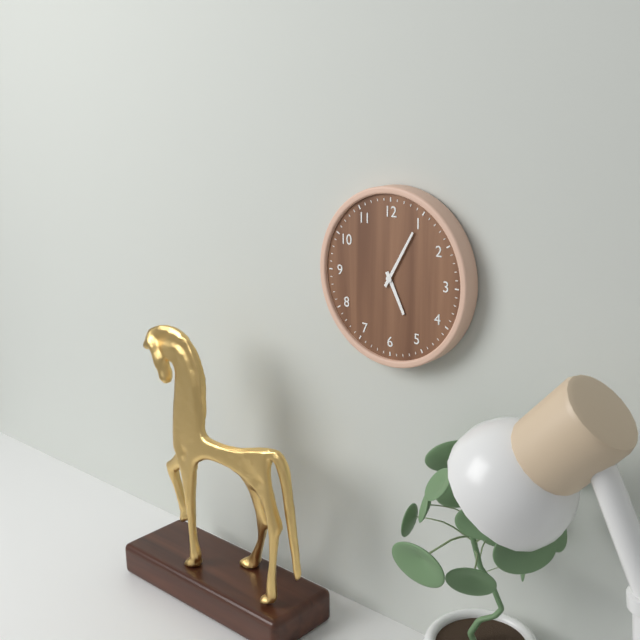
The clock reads 5,05
